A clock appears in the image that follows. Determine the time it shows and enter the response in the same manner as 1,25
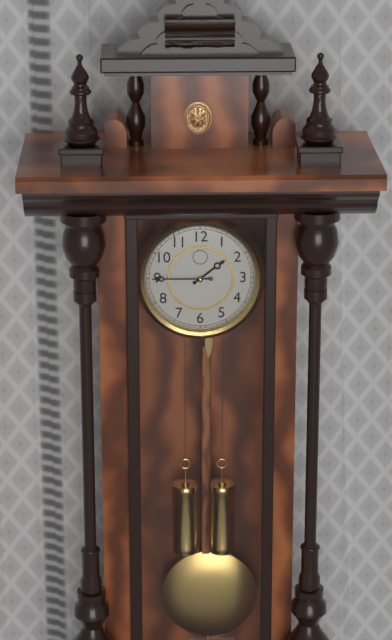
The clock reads 1,45
